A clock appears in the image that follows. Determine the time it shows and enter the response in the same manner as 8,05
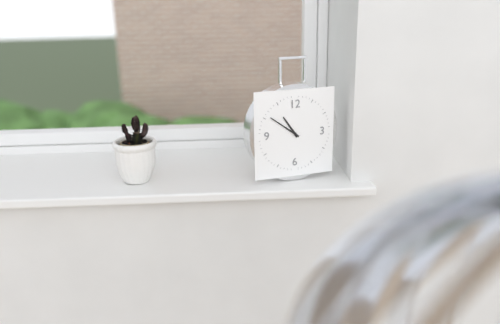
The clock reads 10,51
